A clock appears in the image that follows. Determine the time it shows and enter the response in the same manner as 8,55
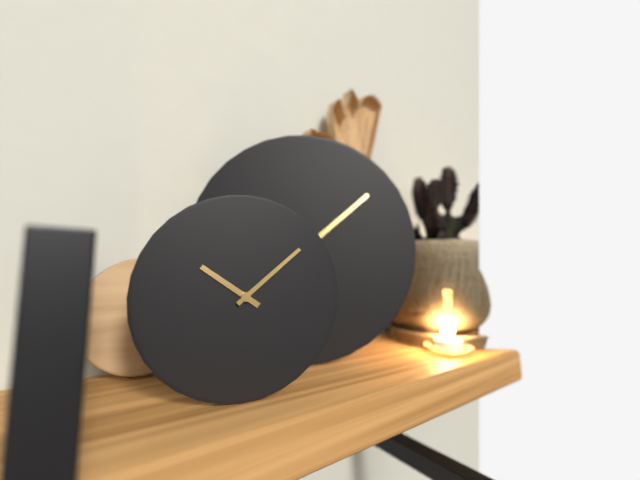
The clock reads 10,08
